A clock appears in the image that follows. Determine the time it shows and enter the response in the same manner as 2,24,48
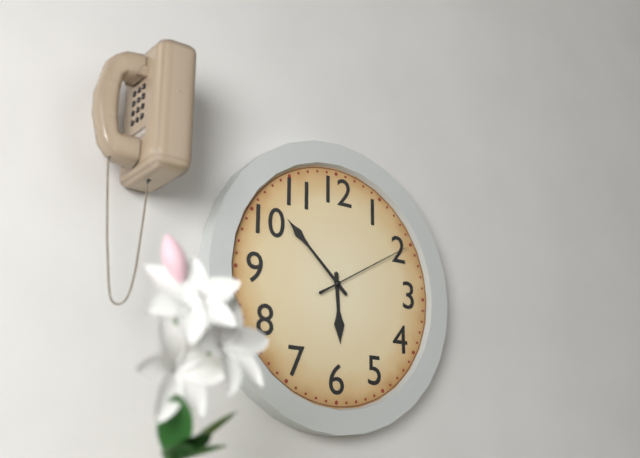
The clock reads 5,52,10
